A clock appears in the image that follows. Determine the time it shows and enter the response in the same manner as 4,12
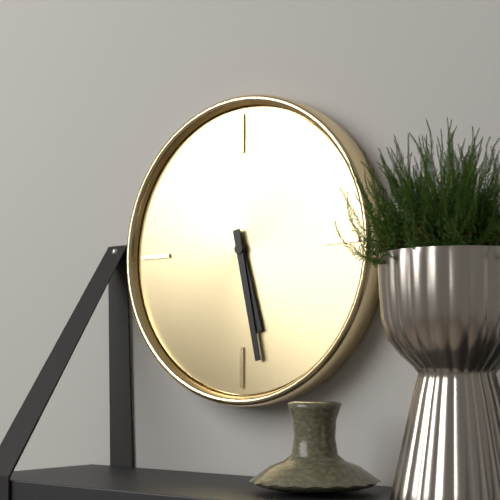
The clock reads 5,28
